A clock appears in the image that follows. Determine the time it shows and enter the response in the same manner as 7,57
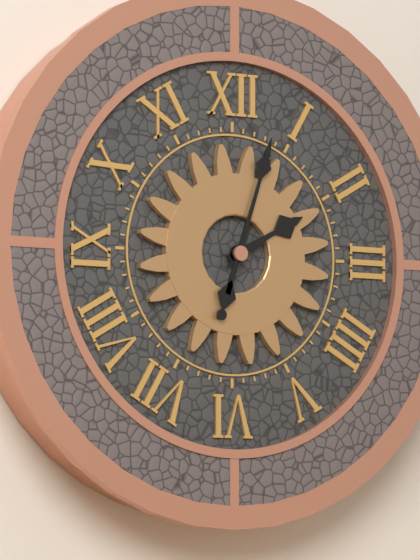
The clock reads 2,03
